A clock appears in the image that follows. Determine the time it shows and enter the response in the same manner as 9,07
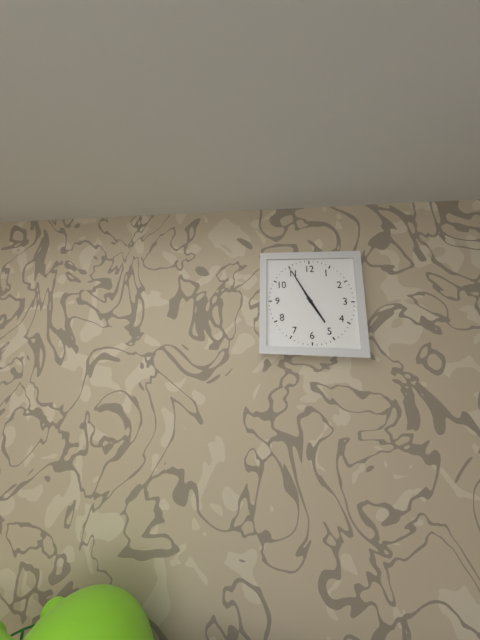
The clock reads 4,55
